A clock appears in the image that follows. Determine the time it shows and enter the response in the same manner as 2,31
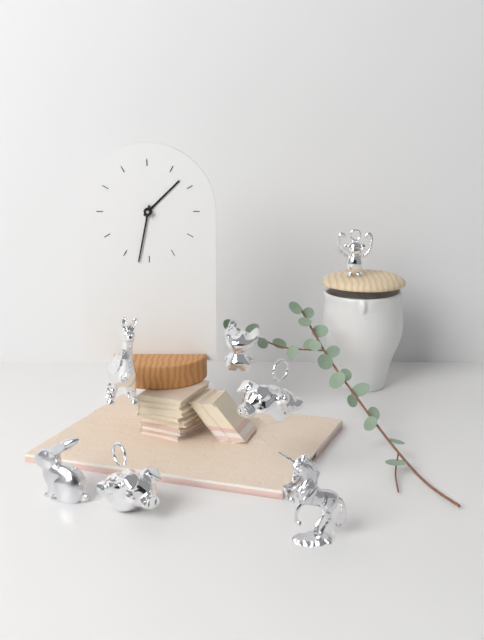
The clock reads 1,32
